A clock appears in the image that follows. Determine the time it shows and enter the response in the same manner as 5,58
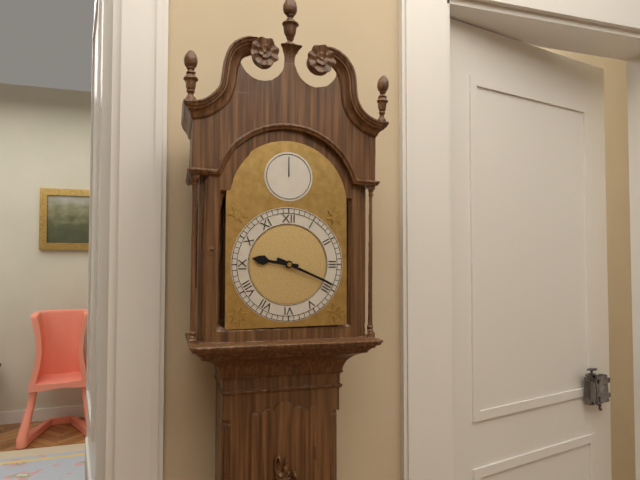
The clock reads 9,19
